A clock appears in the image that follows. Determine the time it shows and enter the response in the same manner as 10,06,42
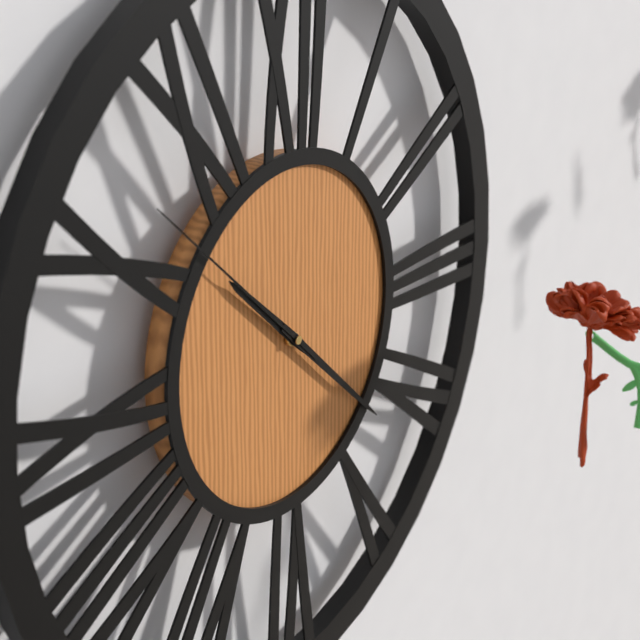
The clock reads 10,22,52
